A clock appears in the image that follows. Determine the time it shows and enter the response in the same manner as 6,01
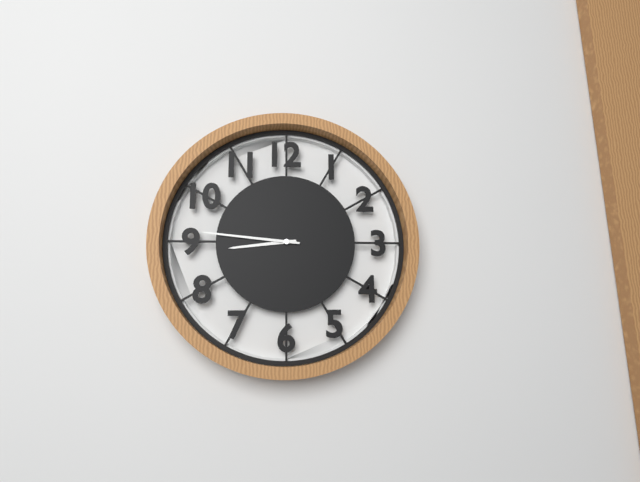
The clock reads 8,46
